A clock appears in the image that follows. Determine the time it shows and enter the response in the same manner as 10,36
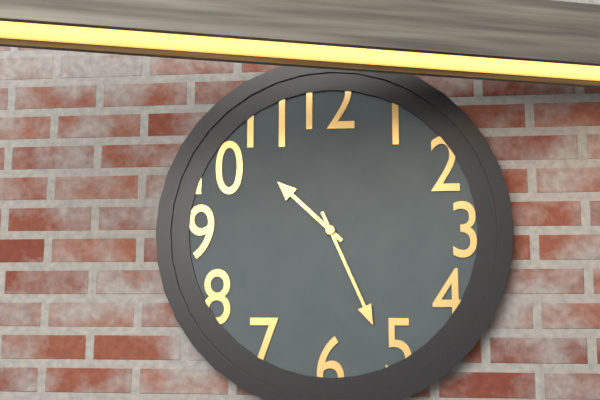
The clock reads 10,26
